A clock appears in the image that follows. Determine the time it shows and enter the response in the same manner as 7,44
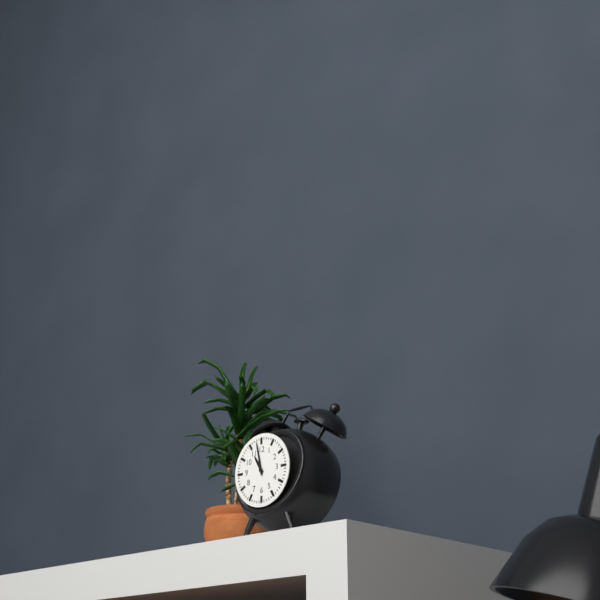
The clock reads 10,58
